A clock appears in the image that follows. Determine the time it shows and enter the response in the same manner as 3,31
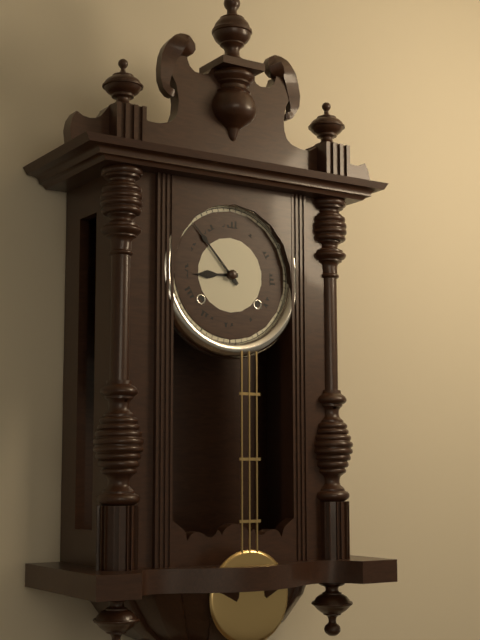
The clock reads 8,53
